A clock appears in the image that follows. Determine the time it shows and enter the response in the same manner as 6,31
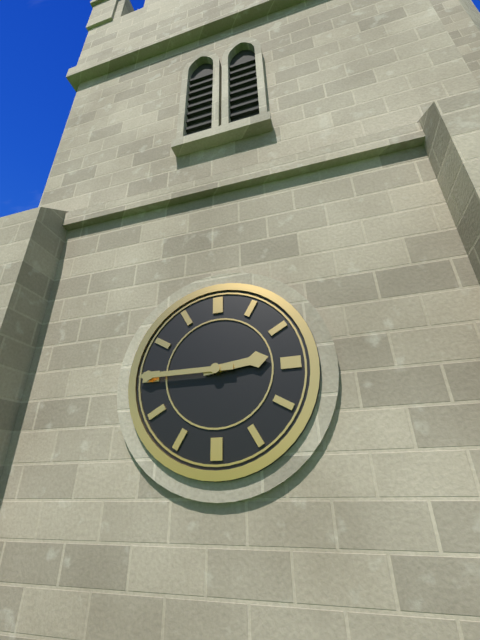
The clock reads 2,45
